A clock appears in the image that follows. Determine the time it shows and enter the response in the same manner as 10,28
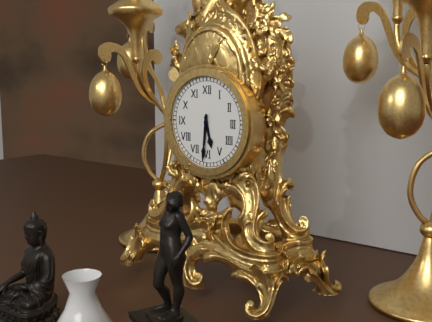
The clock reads 5,31
